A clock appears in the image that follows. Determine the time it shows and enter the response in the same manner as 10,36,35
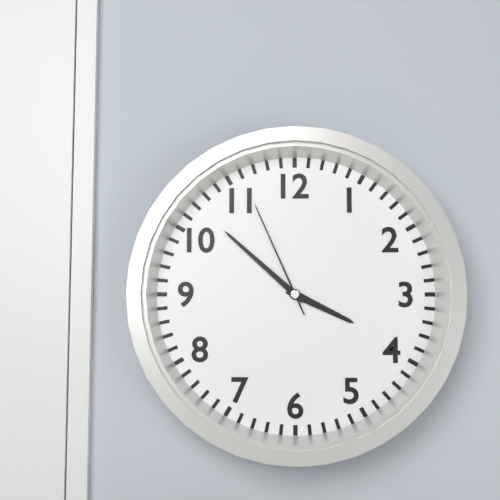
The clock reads 3,52,56
